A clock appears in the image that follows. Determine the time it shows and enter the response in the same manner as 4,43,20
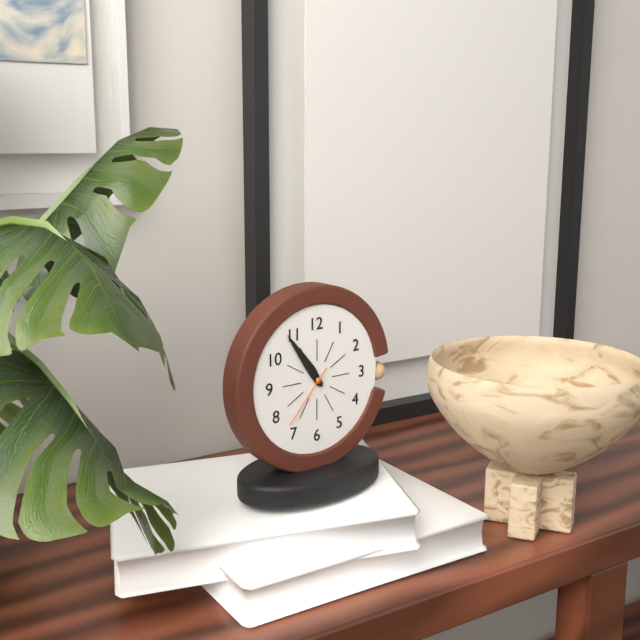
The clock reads 10,54,37
